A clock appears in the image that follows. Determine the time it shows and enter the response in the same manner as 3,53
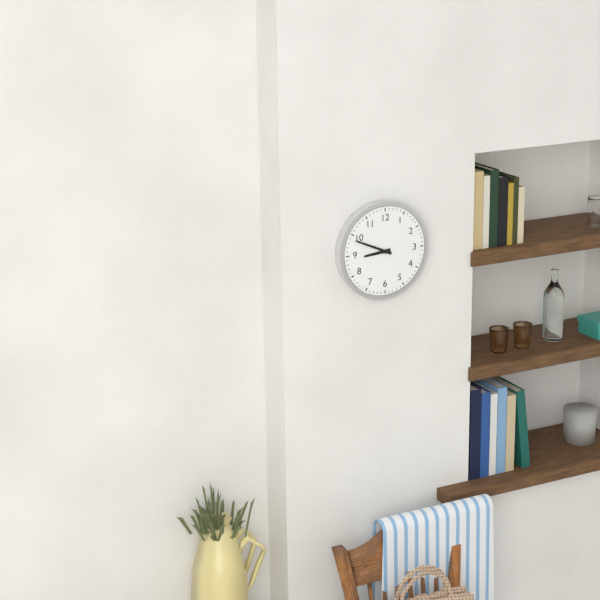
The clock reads 8,49
